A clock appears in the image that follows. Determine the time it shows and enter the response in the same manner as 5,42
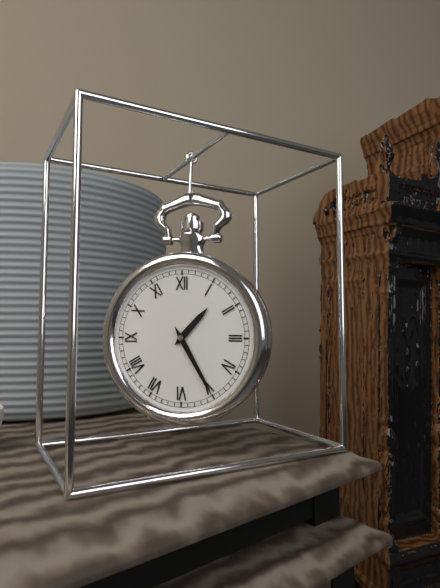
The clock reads 1,25
